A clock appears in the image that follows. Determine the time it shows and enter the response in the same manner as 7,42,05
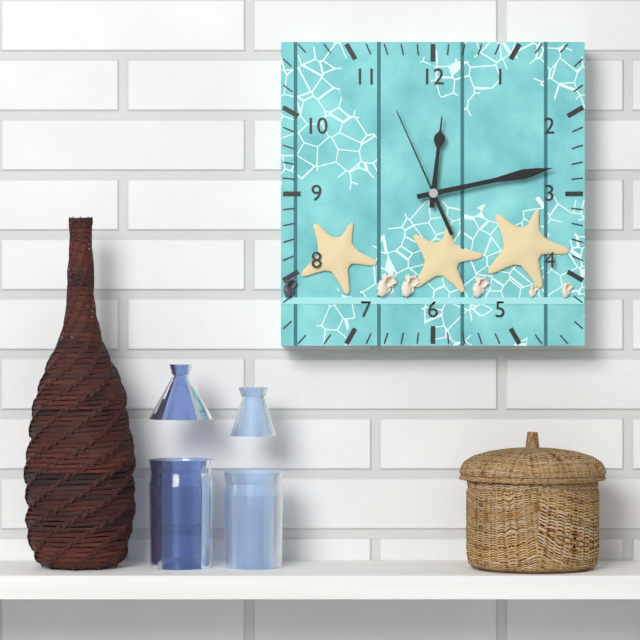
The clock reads 12,13,56
